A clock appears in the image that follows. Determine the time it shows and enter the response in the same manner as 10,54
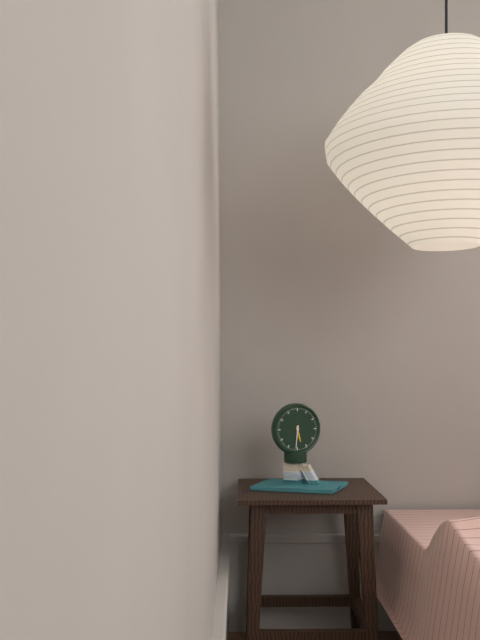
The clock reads 5,31
